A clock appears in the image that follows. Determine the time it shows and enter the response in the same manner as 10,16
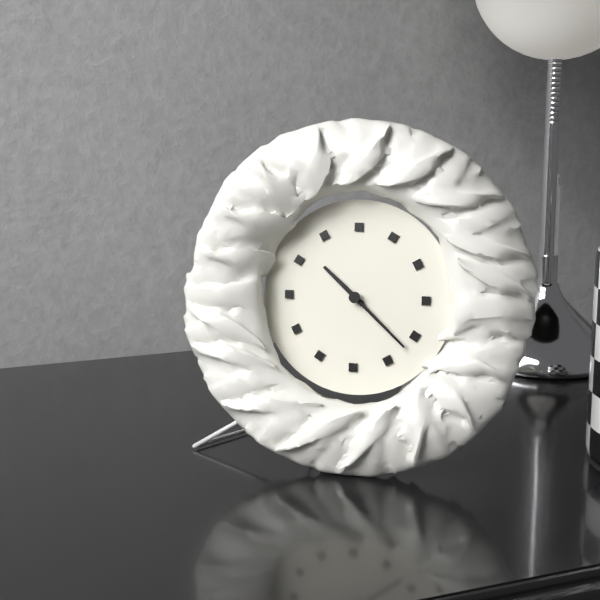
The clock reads 10,22
